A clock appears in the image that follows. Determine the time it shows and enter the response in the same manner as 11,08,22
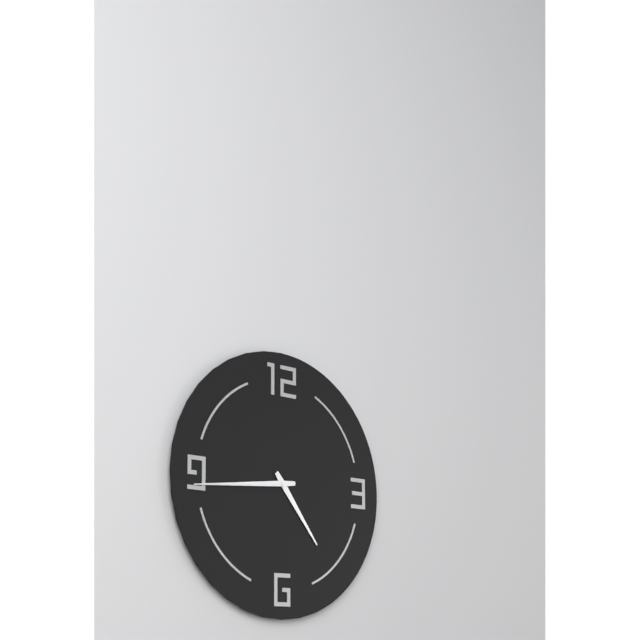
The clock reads 4,44,44
